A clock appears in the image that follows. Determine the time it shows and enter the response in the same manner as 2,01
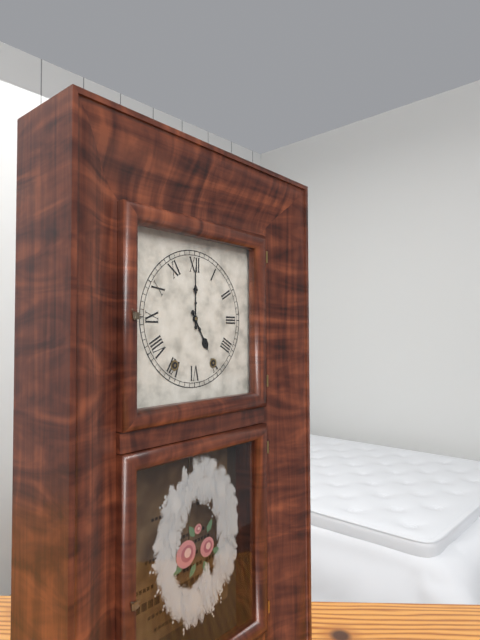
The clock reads 5,00
